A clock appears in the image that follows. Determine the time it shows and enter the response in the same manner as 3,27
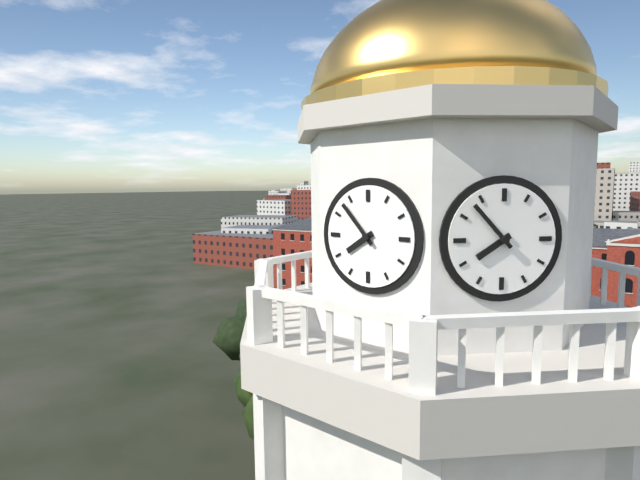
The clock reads 7,53
